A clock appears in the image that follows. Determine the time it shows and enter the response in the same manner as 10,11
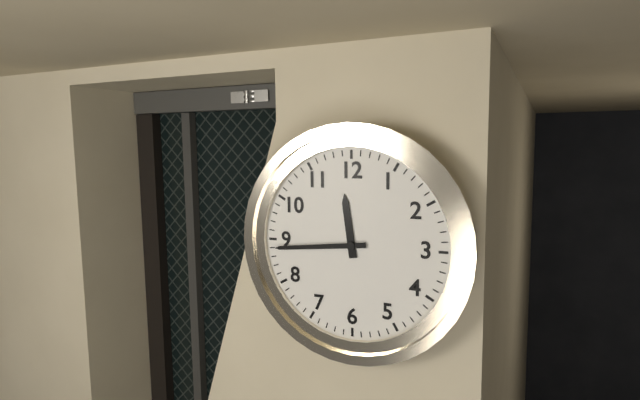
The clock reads 11,44
